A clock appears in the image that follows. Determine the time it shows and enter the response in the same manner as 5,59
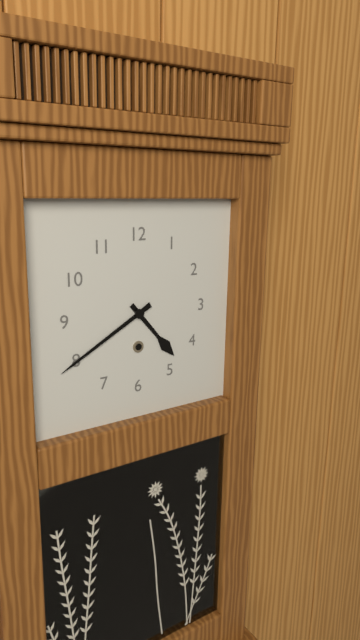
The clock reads 4,40
